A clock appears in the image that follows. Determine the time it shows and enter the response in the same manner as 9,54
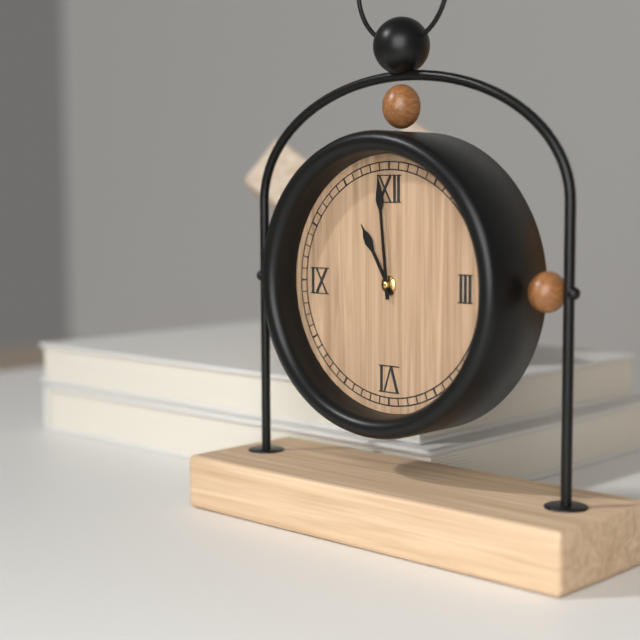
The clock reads 10,59
